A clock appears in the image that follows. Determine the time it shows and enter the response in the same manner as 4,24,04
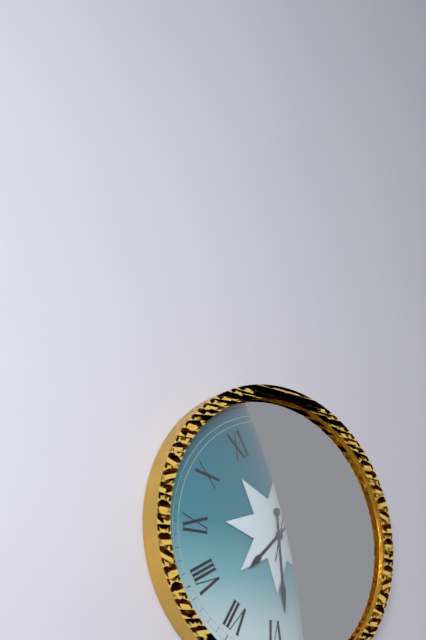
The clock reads 7,29,02
